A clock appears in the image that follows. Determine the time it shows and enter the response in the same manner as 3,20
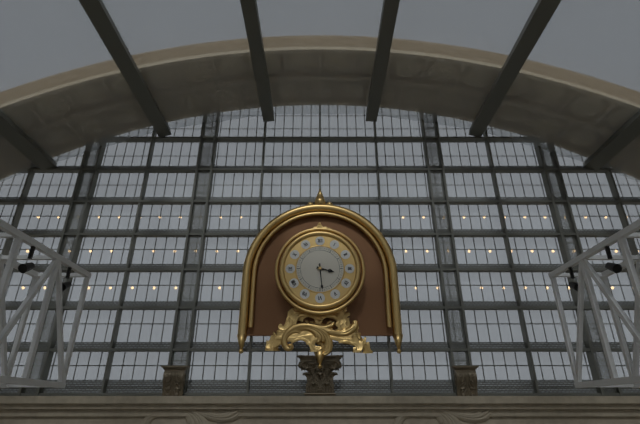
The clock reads 3,29
